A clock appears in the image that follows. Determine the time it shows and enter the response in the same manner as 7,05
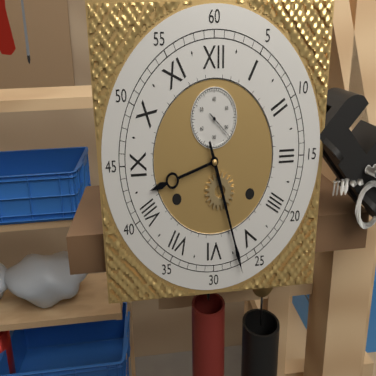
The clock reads 8,27
